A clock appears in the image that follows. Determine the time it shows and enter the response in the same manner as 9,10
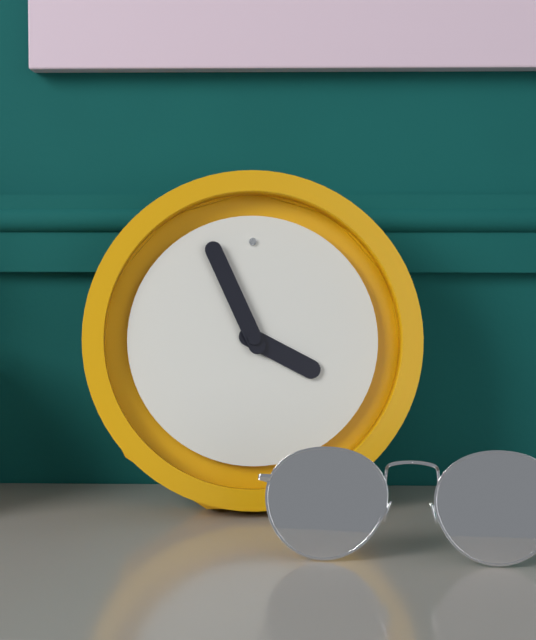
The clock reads 3,56
